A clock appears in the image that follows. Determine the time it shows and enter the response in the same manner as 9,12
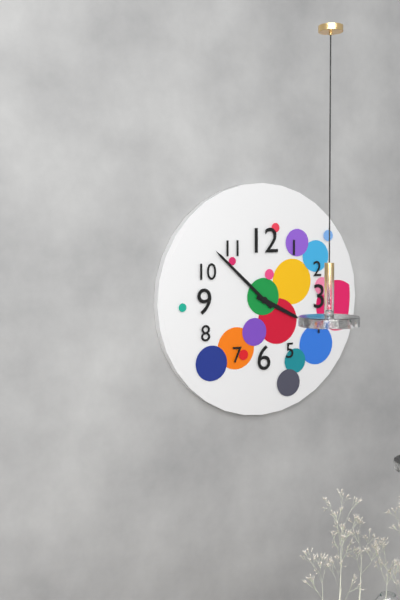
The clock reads 3,52
